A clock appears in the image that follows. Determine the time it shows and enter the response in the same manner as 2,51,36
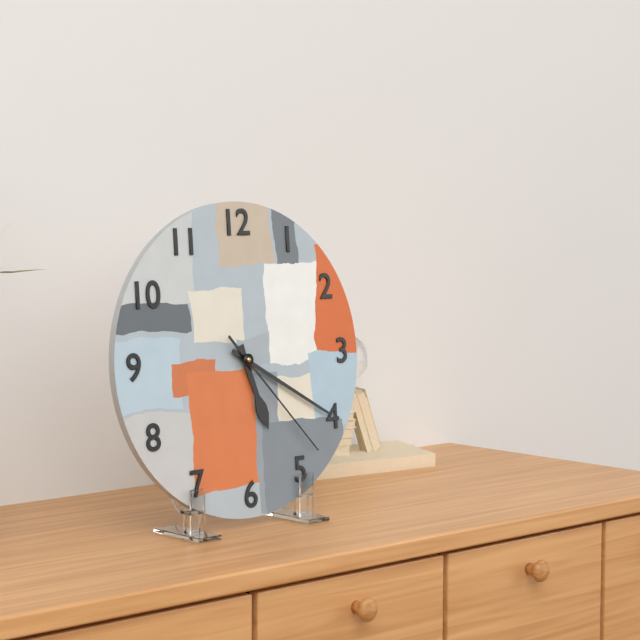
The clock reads 5,20,23
